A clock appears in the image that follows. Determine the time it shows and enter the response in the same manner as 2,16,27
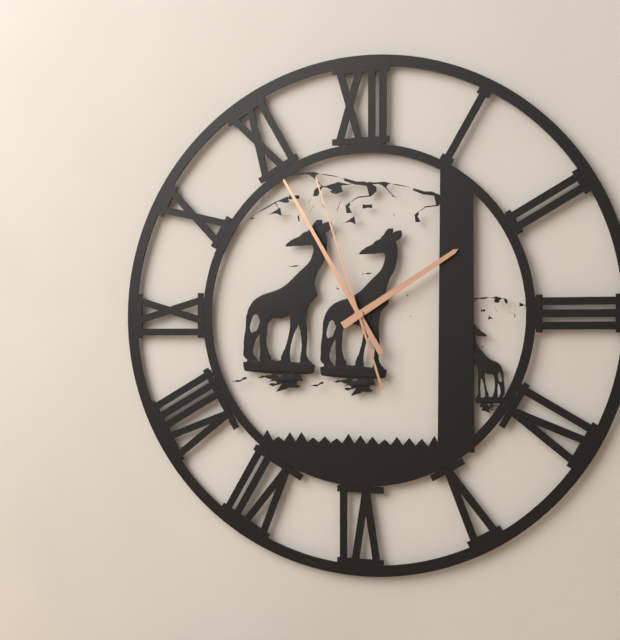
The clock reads 1,55,57
